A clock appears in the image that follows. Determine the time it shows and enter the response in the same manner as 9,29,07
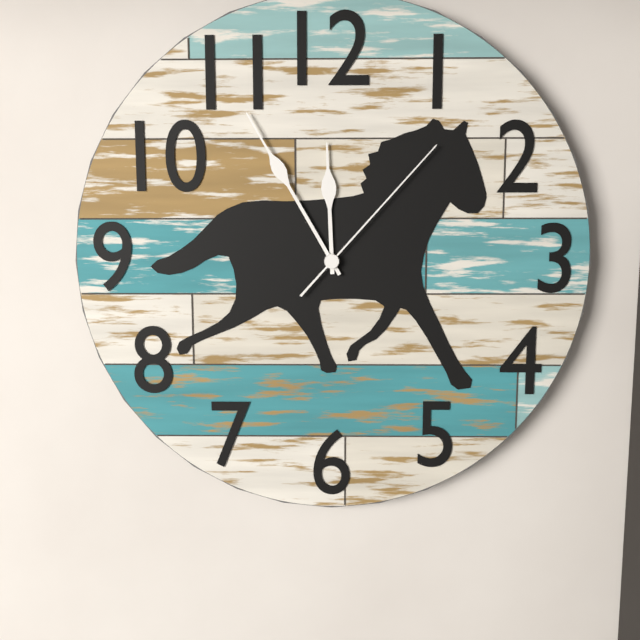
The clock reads 11,55,07
